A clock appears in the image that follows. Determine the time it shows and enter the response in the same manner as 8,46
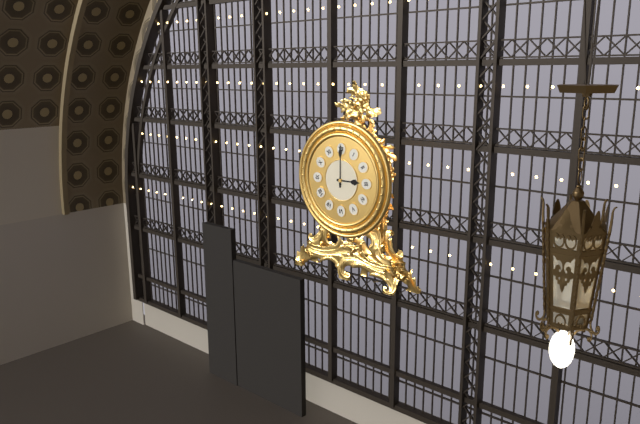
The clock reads 3,00
